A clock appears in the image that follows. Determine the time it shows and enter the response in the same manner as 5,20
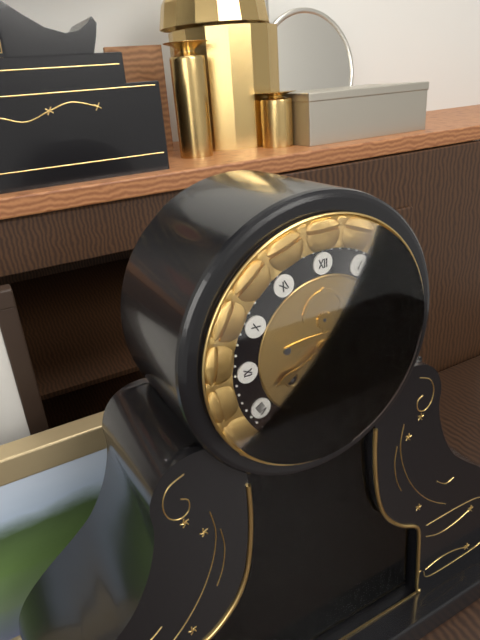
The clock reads 8,13
